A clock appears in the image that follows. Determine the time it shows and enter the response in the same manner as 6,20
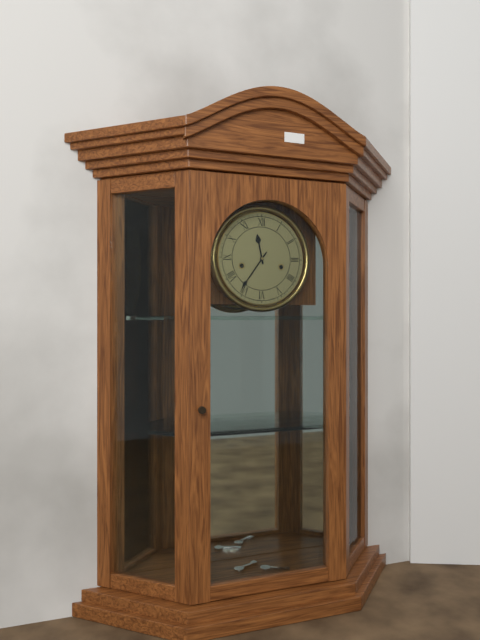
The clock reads 11,36
